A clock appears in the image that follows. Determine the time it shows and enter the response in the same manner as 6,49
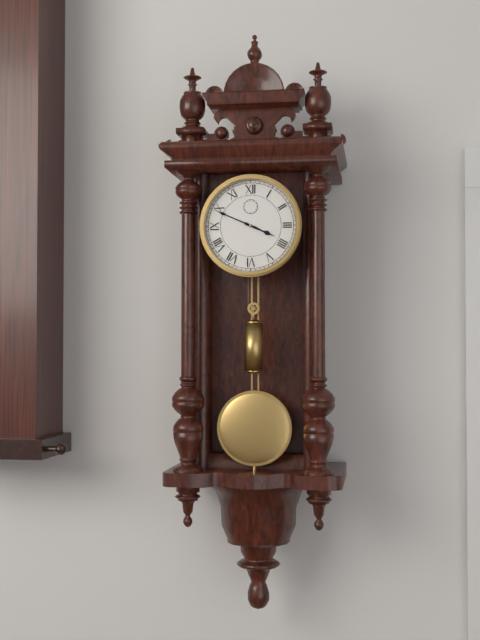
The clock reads 3,49
